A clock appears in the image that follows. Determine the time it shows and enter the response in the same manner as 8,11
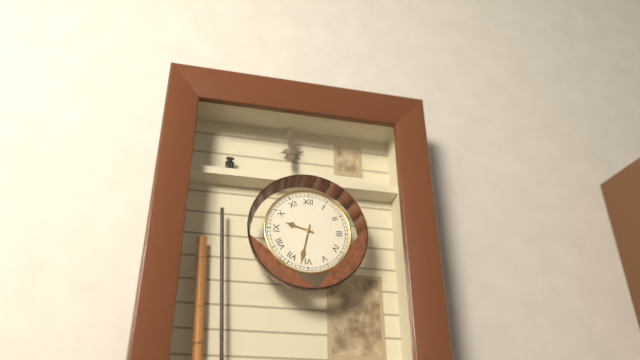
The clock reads 9,32
